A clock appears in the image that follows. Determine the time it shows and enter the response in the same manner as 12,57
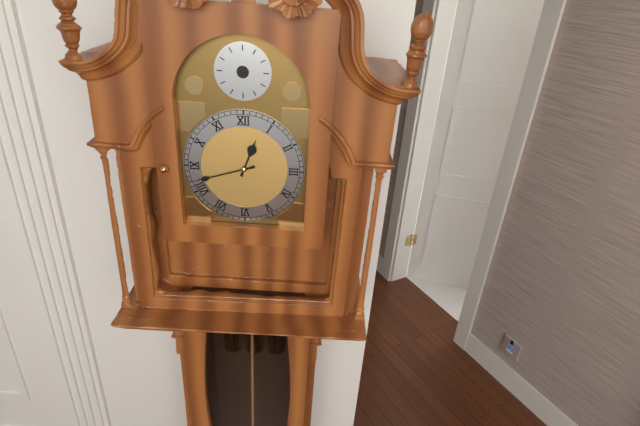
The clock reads 12,42
